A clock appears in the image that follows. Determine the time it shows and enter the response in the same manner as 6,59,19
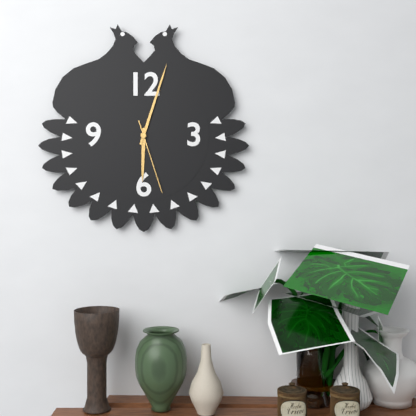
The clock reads 6,03,27
